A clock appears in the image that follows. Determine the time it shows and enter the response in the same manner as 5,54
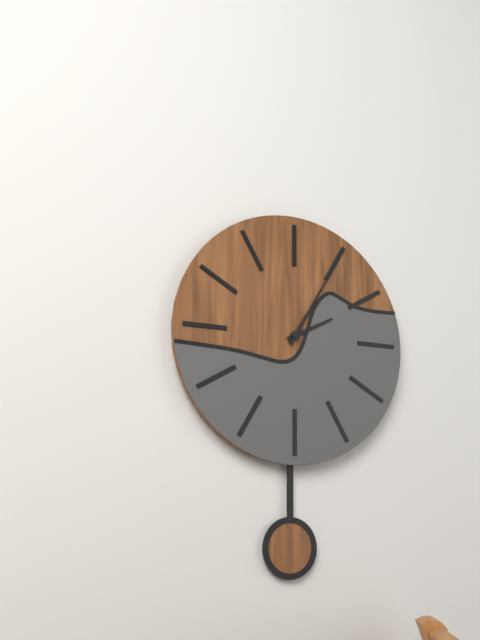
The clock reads 2,05
